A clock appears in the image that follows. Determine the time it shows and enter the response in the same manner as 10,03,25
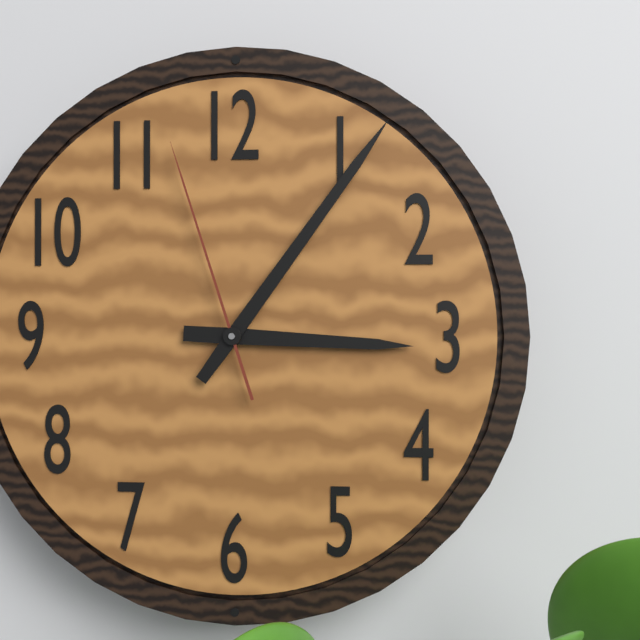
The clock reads 3,06,57
